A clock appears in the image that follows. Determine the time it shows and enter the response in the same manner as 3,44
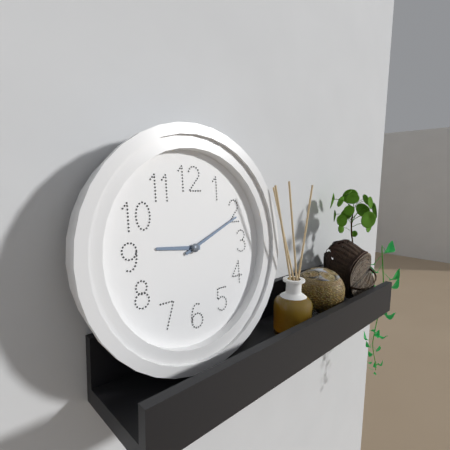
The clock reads 9,11
